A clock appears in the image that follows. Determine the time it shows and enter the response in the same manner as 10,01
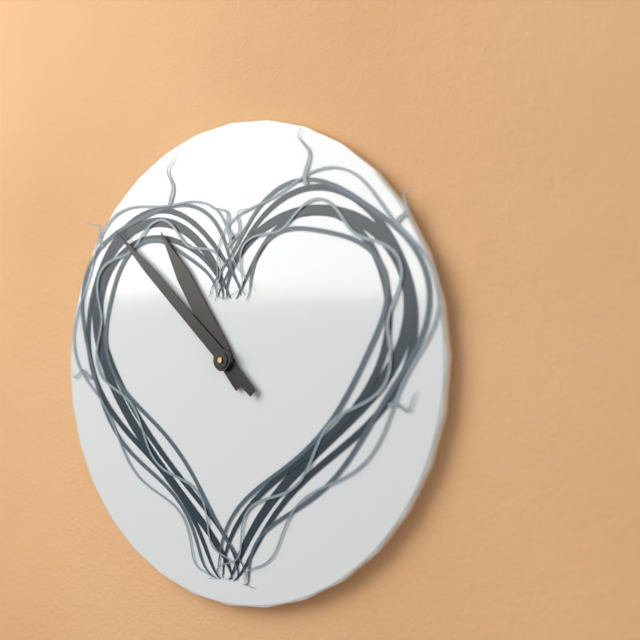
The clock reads 10,52
